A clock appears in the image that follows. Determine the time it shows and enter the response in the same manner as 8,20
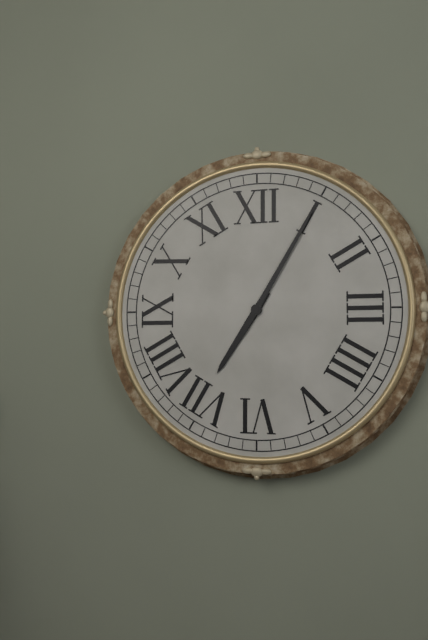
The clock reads 7,05
